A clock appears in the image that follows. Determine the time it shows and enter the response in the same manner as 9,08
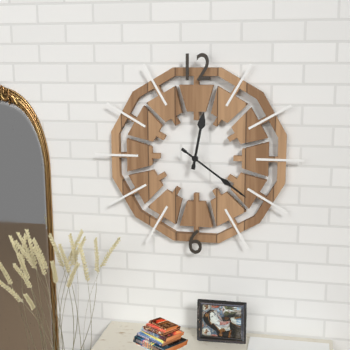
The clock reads 12,21
